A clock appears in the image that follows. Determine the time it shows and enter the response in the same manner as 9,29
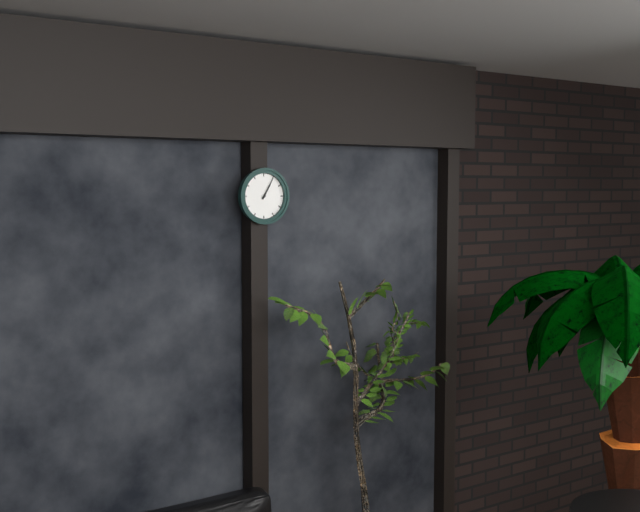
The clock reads 1,05
